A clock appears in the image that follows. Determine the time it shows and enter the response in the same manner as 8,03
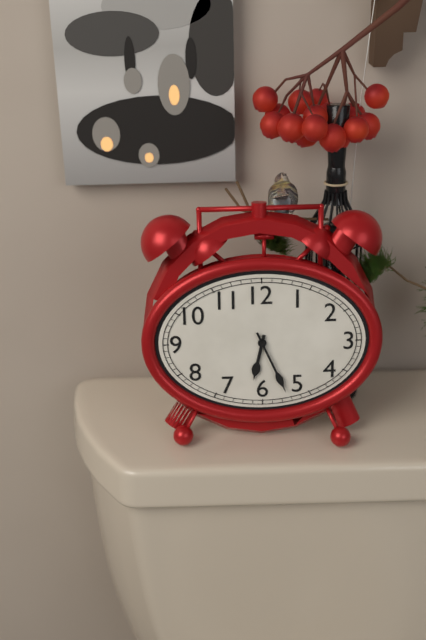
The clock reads 6,26
